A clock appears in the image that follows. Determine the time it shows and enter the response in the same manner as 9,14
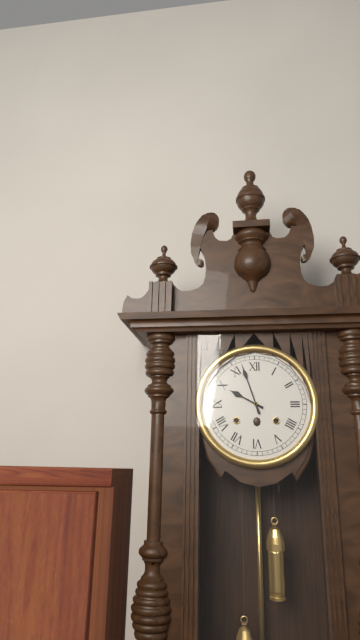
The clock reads 9,57
